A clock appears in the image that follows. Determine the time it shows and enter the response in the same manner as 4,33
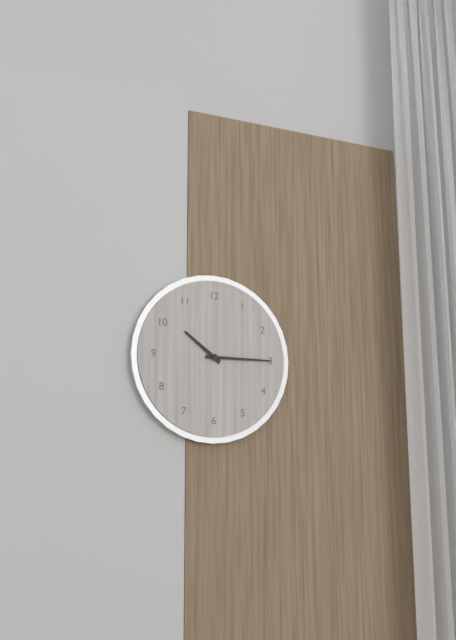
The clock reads 10,15
